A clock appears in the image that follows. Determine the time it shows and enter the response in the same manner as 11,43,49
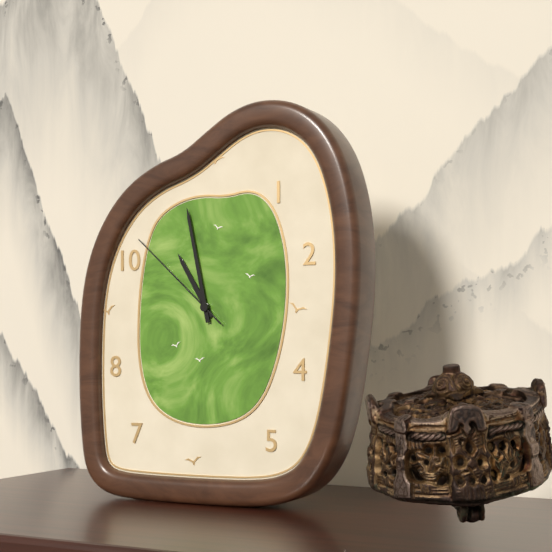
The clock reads 10,58,52
